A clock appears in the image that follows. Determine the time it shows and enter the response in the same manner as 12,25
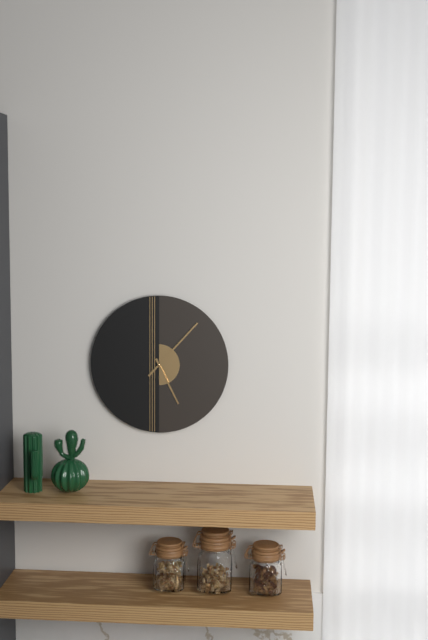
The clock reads 5,07
